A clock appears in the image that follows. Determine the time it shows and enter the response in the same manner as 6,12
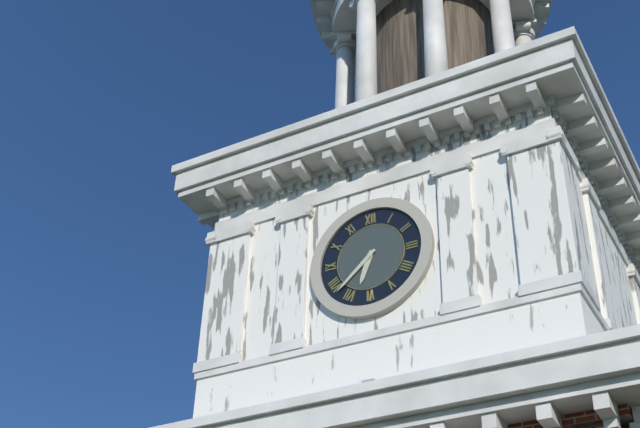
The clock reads 6,38
